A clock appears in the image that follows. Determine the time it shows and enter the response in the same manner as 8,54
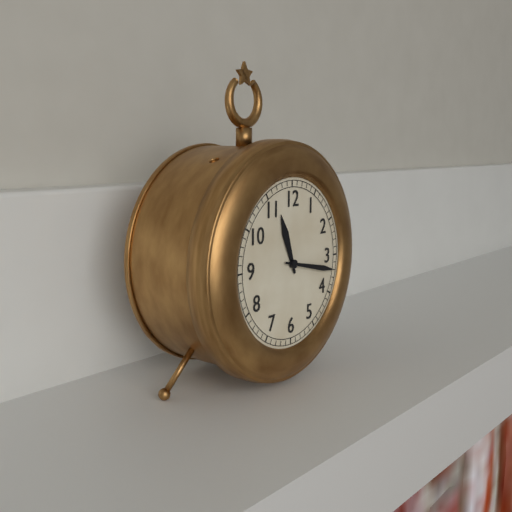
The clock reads 11,17
